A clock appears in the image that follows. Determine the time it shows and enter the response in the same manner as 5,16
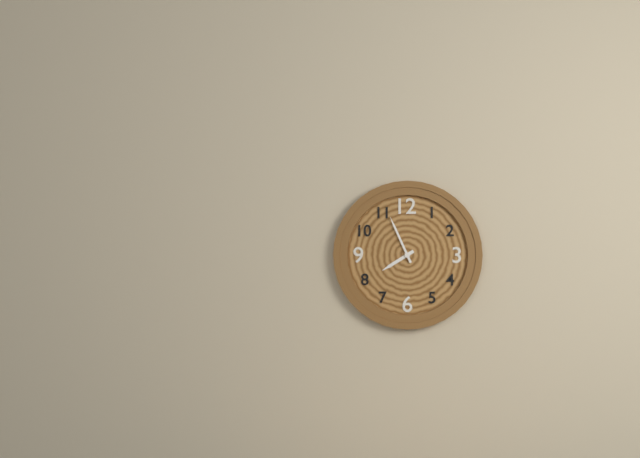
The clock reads 7,56
